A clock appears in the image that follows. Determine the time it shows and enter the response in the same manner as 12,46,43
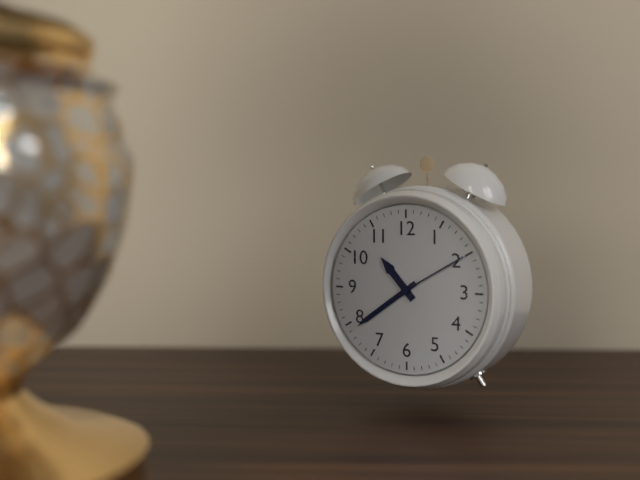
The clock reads 10,39,10
